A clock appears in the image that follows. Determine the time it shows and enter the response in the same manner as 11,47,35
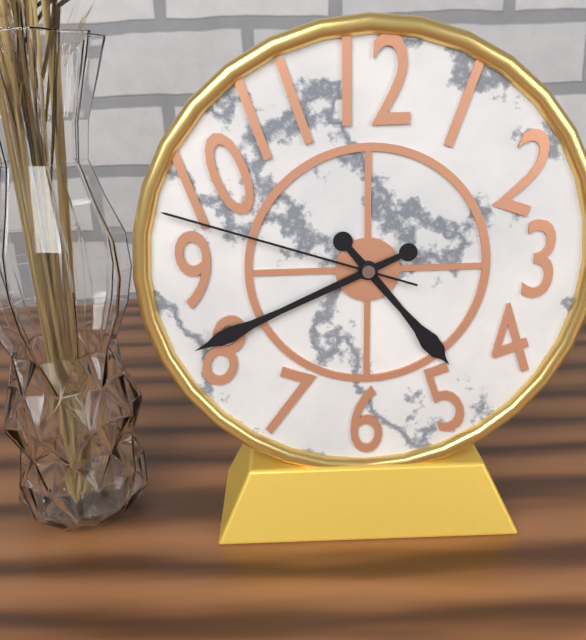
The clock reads 4,41,48
